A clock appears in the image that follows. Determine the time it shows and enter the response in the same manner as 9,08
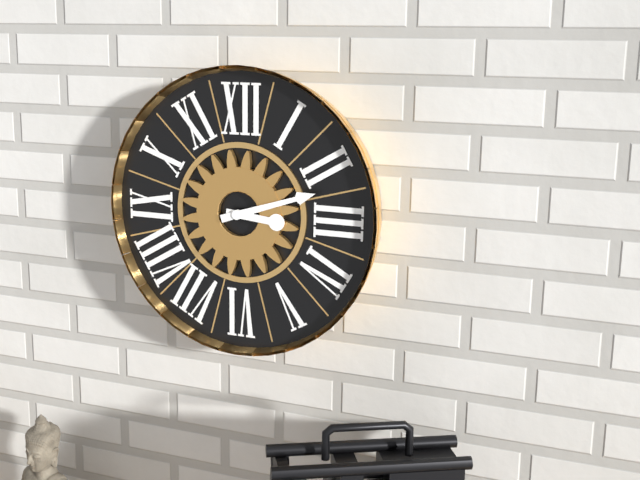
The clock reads 3,12
